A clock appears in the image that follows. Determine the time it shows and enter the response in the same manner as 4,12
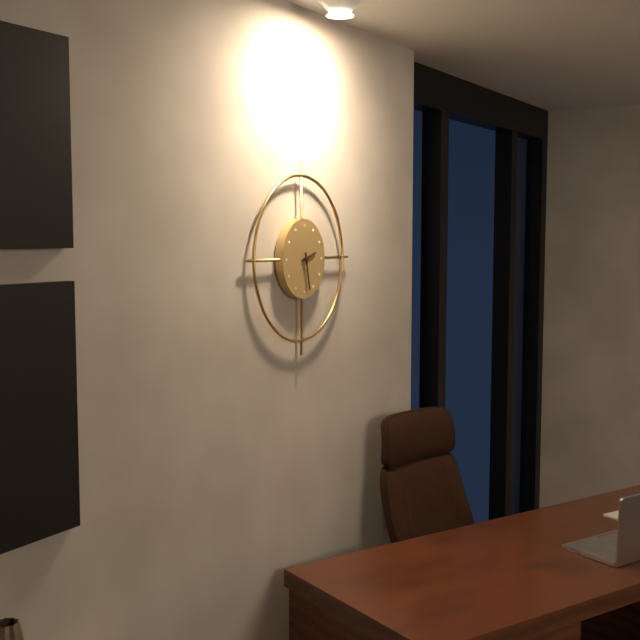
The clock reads 2,28
